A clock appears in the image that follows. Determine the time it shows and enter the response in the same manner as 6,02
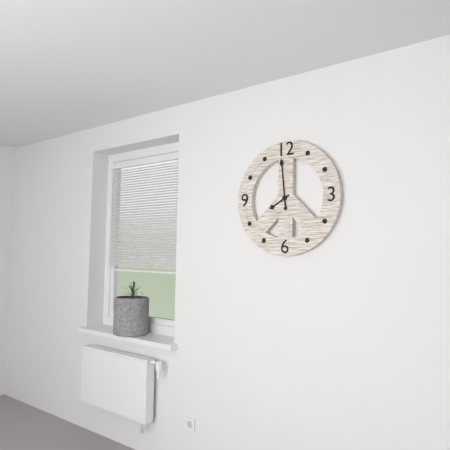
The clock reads 7,59
